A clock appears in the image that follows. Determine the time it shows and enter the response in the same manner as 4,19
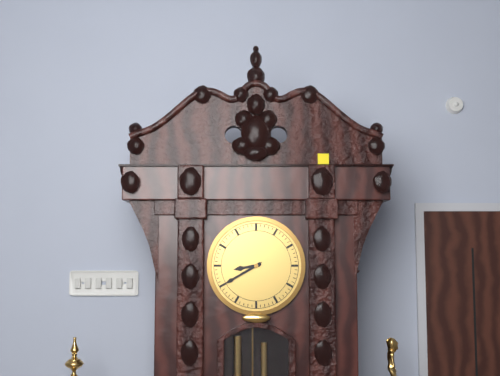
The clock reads 8,40
